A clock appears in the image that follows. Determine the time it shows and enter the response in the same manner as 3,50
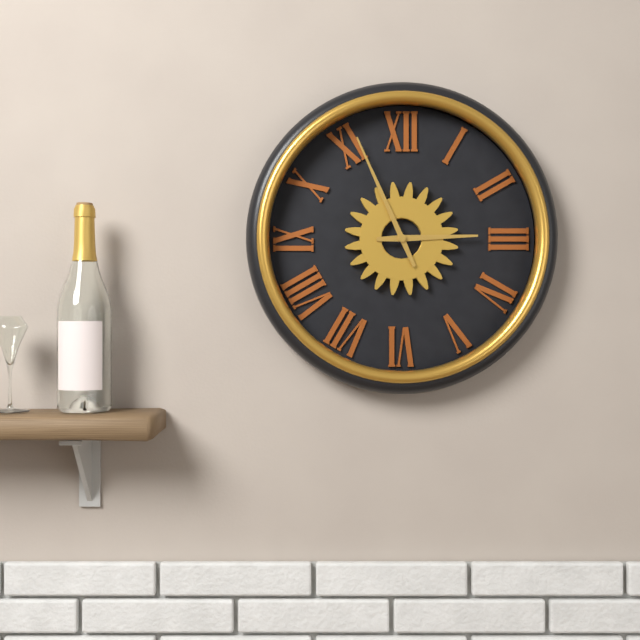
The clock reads 2,56
